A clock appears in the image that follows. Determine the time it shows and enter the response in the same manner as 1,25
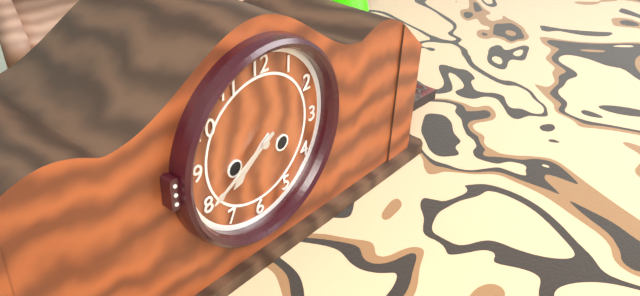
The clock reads 7,40
